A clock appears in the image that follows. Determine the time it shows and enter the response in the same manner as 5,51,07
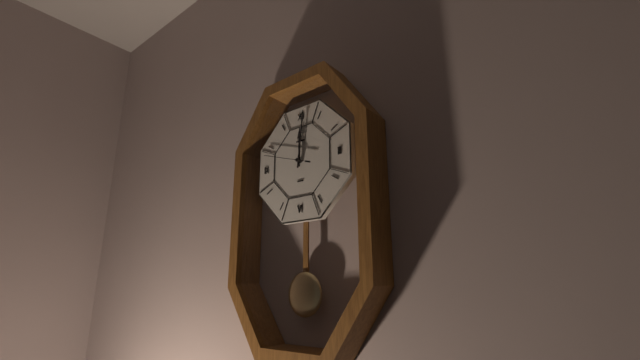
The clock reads 12,01,48
